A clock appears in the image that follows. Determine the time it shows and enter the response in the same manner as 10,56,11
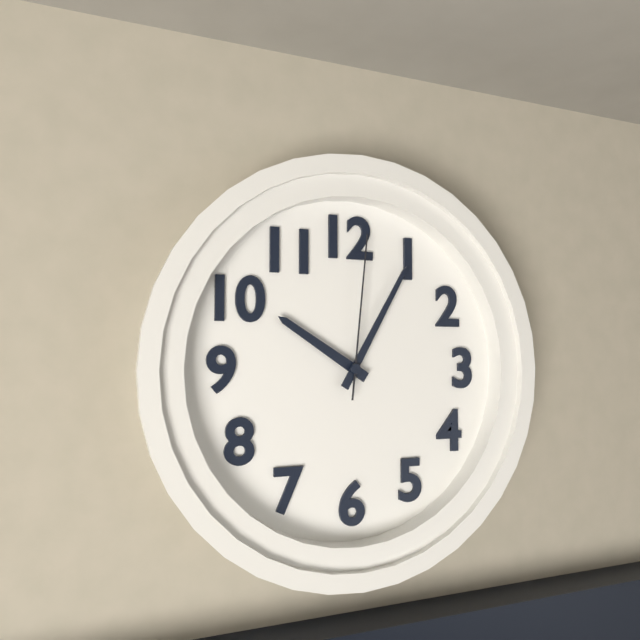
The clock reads 10,05,01
